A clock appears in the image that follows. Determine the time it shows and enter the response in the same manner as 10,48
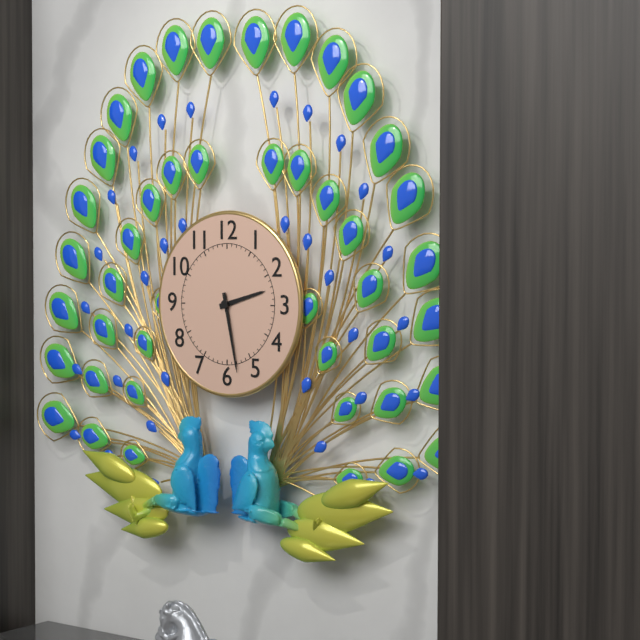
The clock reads 2,28
